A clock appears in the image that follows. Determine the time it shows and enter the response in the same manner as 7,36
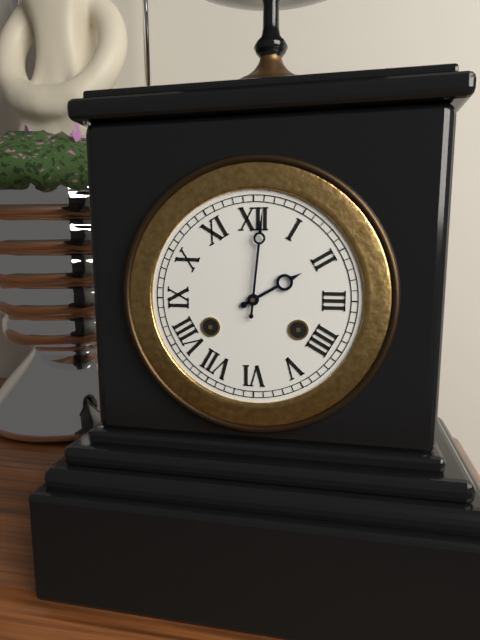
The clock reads 2,01
